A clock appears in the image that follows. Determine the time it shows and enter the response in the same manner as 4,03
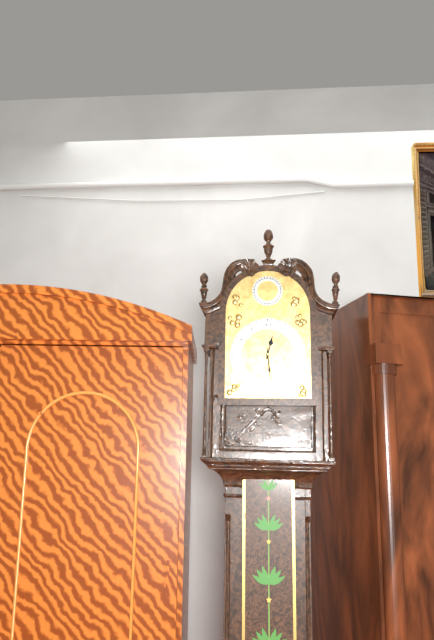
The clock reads 12,29
